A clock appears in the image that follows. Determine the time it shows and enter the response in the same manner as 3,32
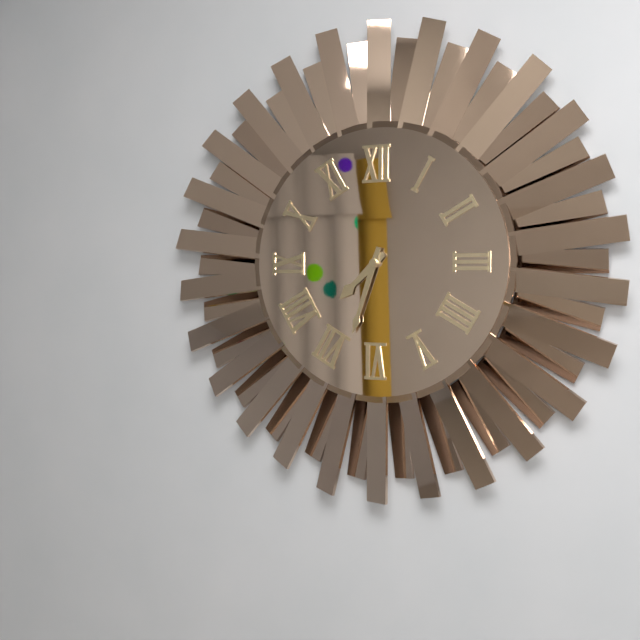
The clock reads 7,33
